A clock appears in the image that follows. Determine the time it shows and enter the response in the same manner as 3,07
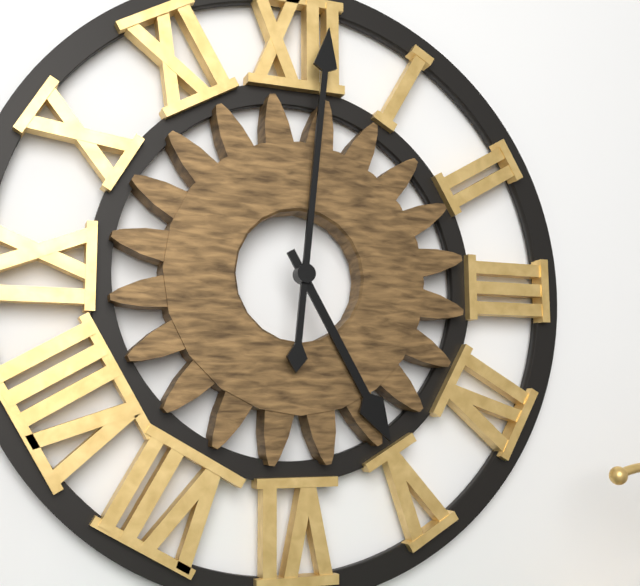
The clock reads 5,01
